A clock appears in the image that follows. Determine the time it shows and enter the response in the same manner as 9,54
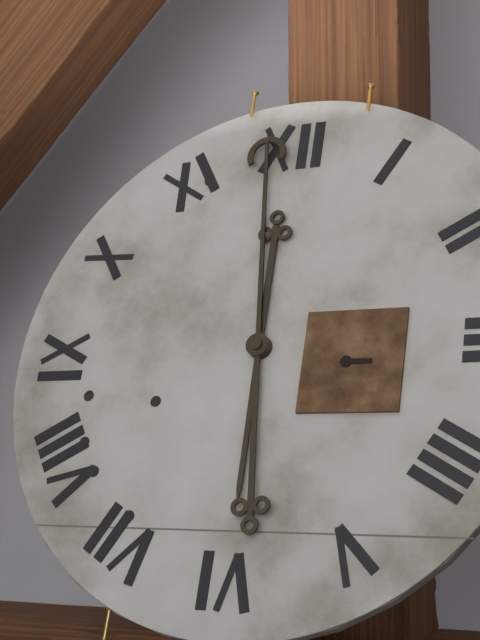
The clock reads 5,59
